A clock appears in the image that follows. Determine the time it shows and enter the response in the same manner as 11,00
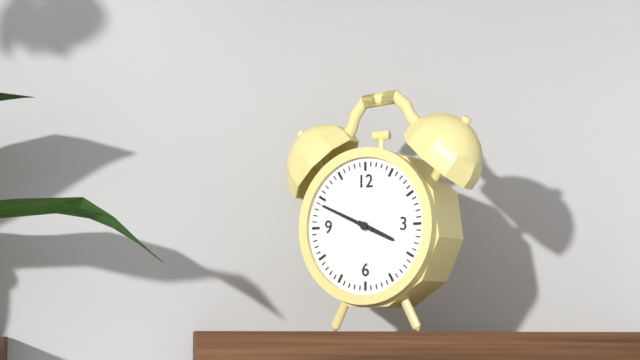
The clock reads 3,49
